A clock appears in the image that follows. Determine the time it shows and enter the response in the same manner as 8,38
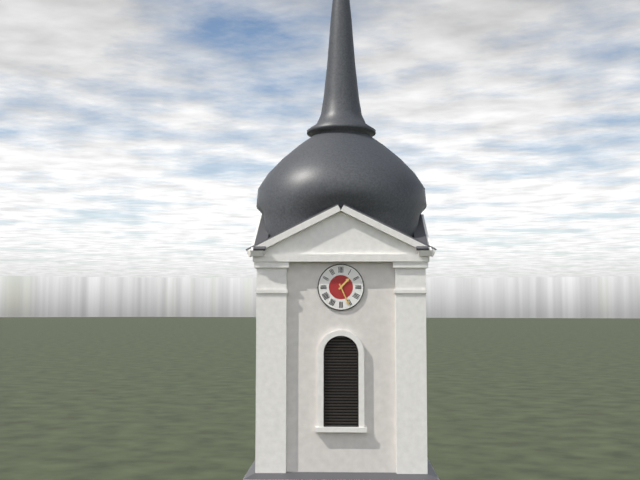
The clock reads 1,26
